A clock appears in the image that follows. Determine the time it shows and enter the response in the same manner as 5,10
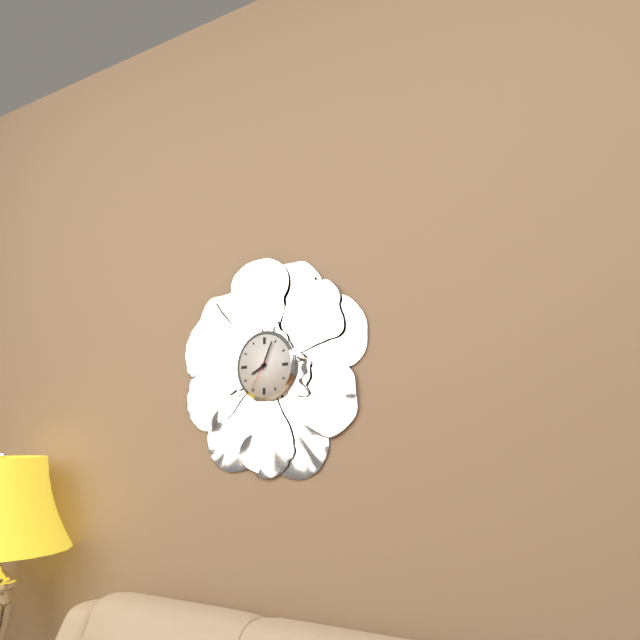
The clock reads 8,04
